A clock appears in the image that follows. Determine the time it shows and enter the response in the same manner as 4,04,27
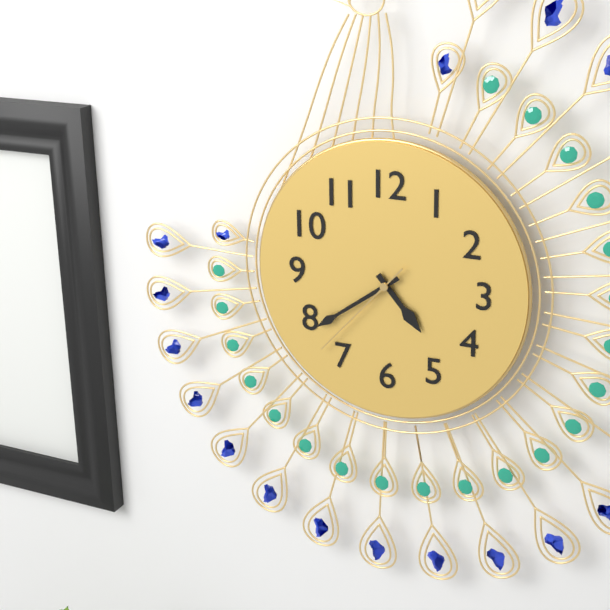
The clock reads 4,39,37
